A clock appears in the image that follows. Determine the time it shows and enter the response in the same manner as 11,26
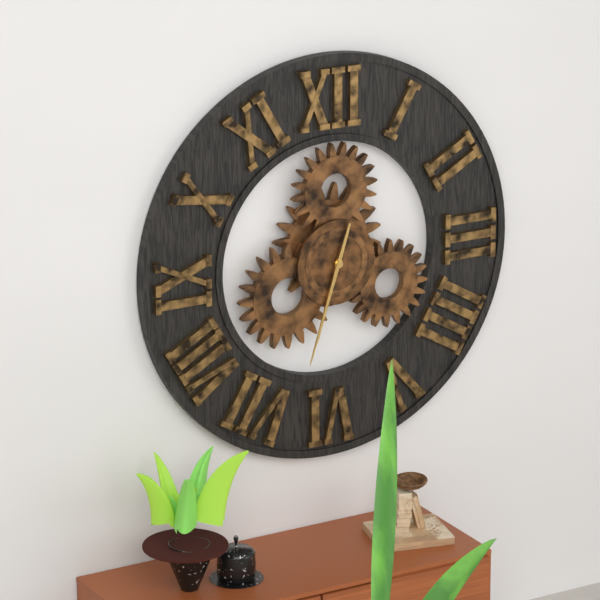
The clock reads 6,33
